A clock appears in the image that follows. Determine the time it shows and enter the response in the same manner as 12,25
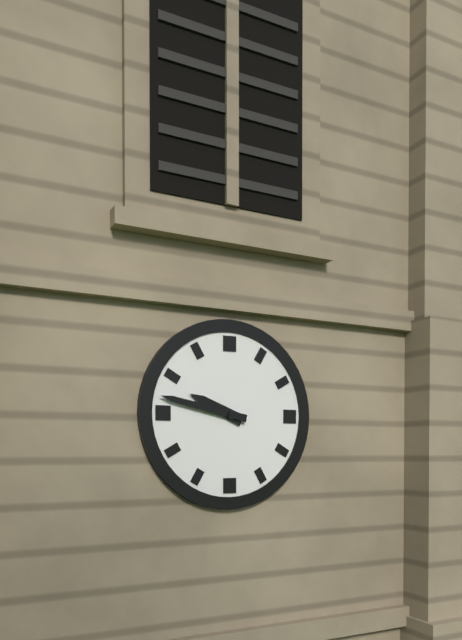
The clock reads 9,47
